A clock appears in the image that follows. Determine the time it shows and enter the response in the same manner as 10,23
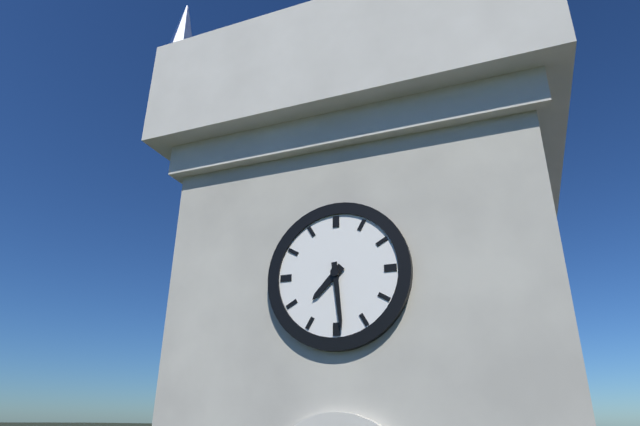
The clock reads 7,29
